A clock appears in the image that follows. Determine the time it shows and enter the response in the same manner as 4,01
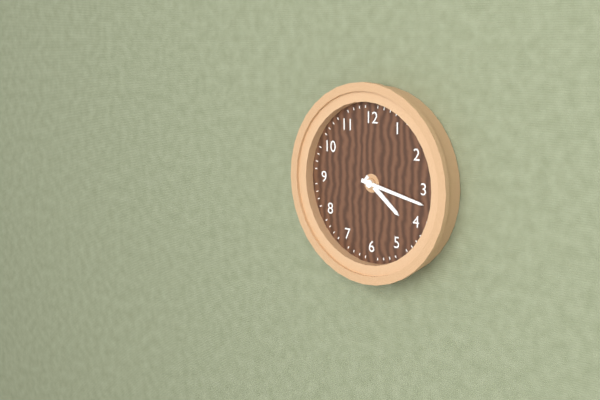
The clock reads 4,17
